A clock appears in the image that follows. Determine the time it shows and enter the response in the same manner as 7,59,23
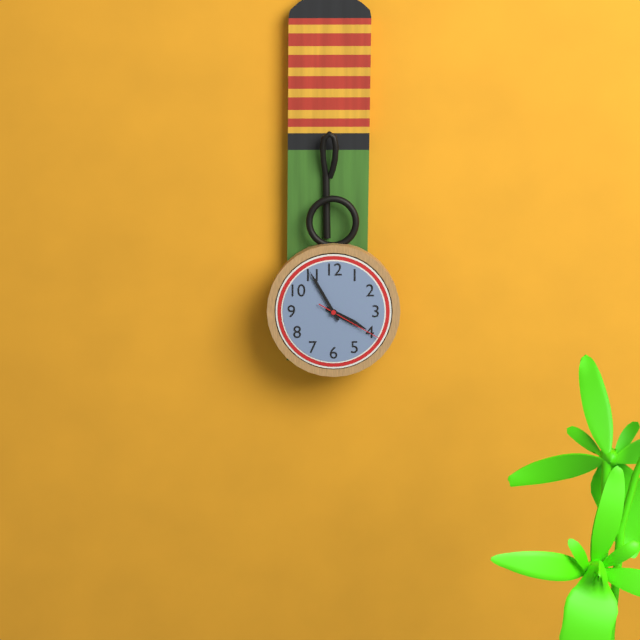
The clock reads 3,55,20
